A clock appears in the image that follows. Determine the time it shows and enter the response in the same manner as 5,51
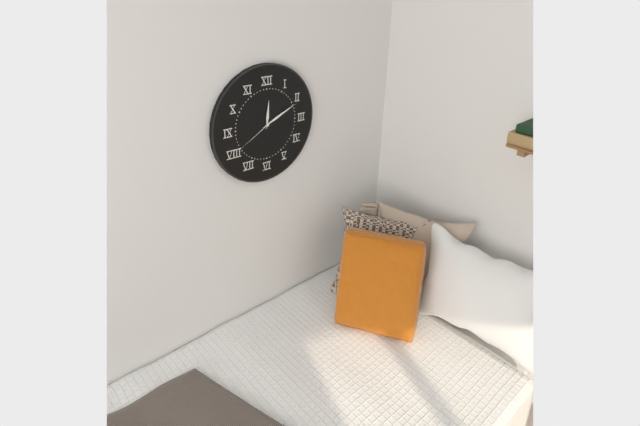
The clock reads 12,11
